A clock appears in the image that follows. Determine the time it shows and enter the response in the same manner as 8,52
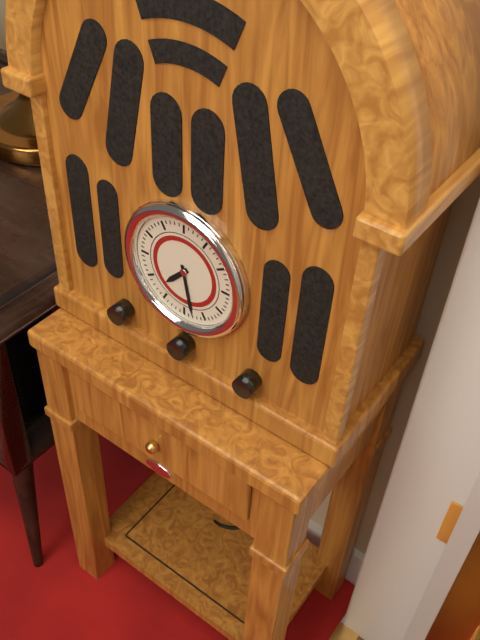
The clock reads 7,28
